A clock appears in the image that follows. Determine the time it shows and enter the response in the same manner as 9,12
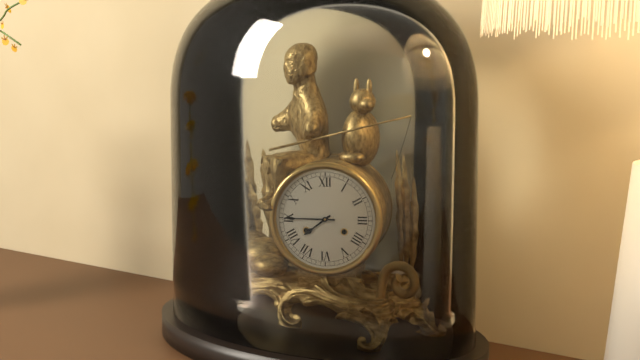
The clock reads 7,45
